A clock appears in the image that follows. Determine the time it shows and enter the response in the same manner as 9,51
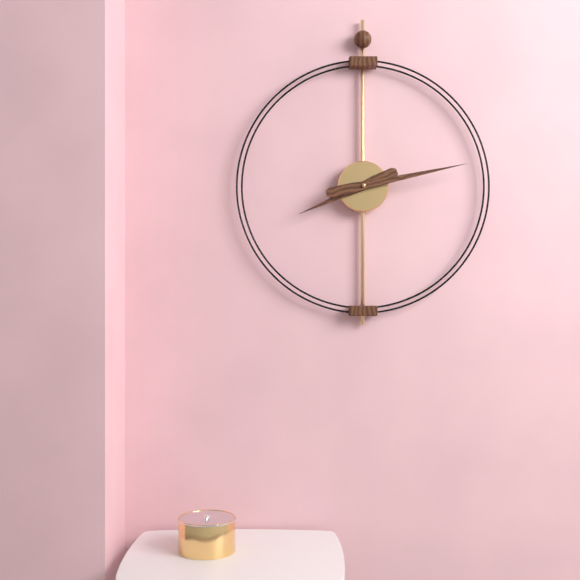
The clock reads 8,13
